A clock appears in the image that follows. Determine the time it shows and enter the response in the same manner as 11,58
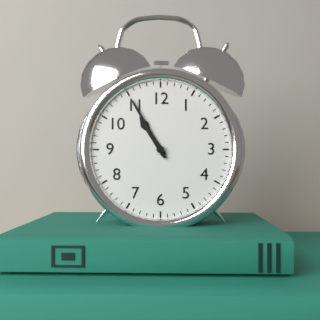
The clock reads 10,55
